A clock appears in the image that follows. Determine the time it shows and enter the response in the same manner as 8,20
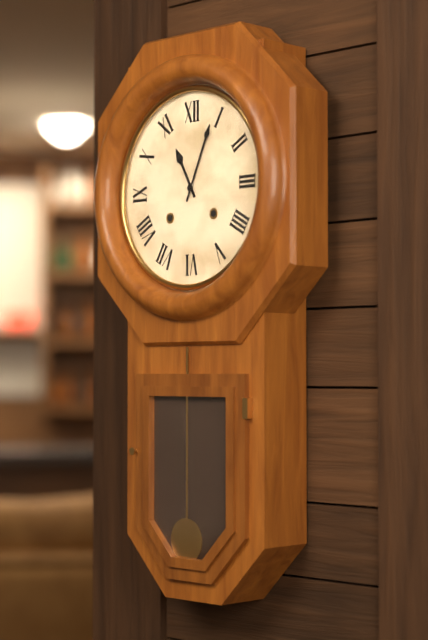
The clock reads 11,04
